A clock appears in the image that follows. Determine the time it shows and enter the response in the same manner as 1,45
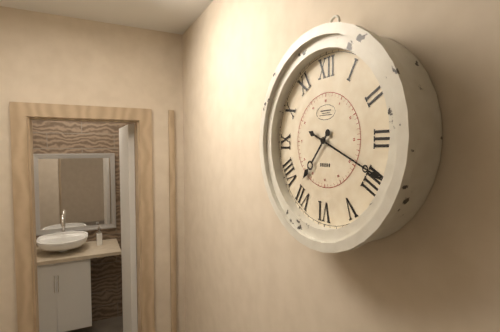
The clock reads 7,19
